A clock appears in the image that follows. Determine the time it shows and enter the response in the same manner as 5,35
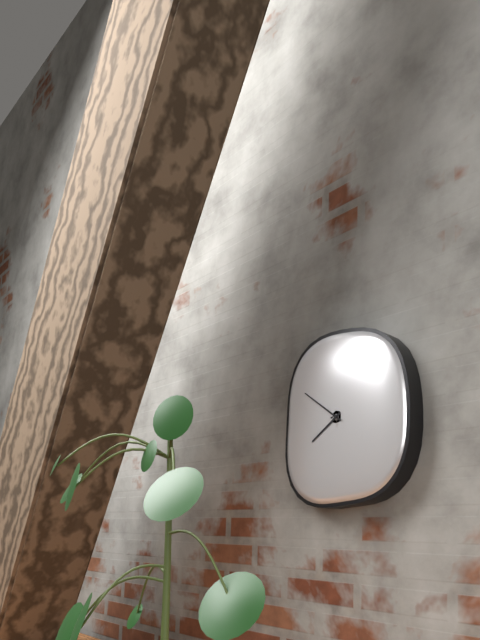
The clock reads 7,51
